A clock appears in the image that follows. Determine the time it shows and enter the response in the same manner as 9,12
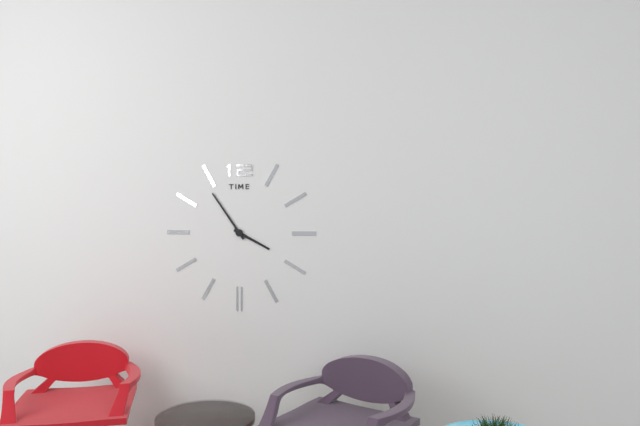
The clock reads 3,54
